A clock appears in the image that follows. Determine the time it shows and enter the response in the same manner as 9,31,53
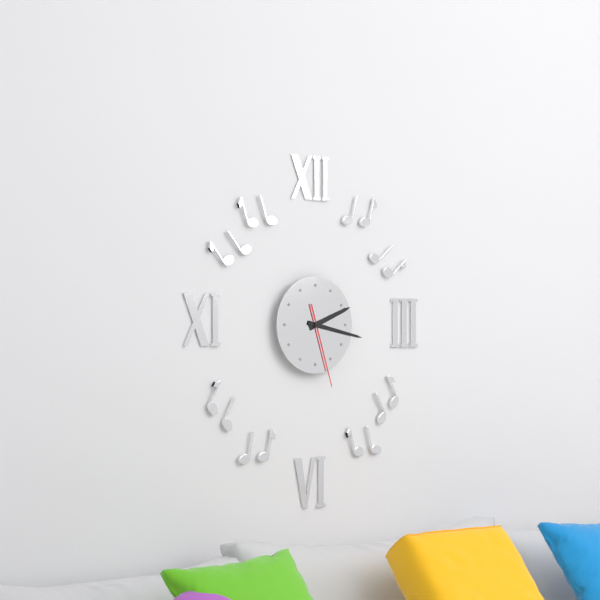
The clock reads 2,17,27
